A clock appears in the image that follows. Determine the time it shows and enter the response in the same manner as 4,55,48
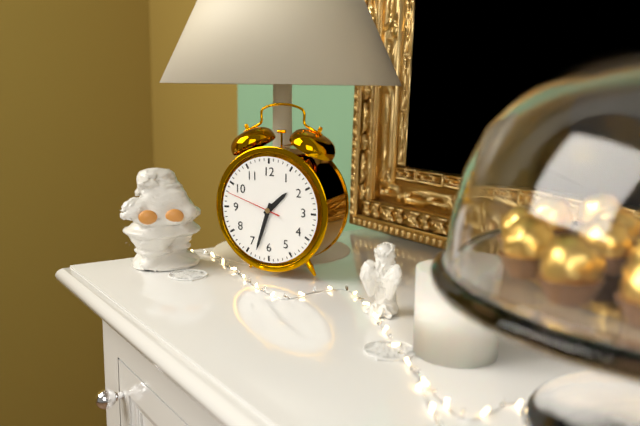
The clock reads 1,33,48
